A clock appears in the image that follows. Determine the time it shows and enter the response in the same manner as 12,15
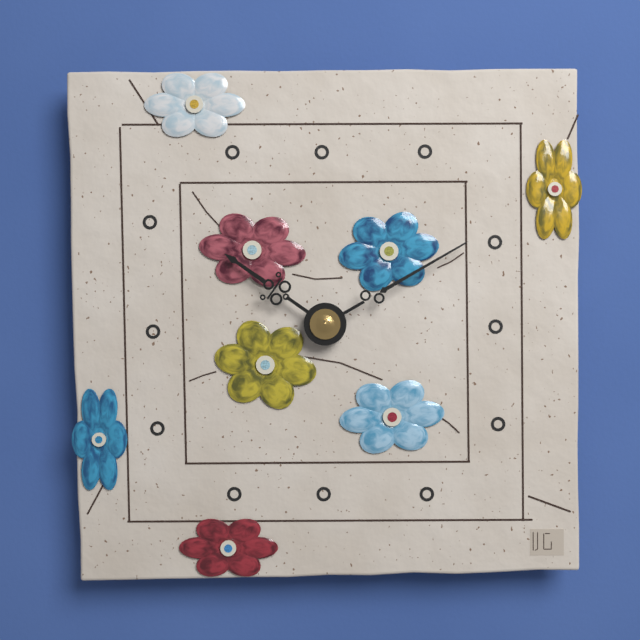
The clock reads 10,10
